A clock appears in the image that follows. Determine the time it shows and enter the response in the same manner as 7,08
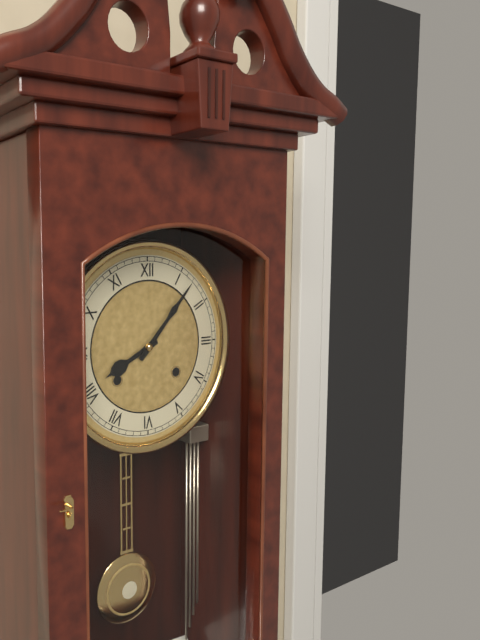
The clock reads 8,07
